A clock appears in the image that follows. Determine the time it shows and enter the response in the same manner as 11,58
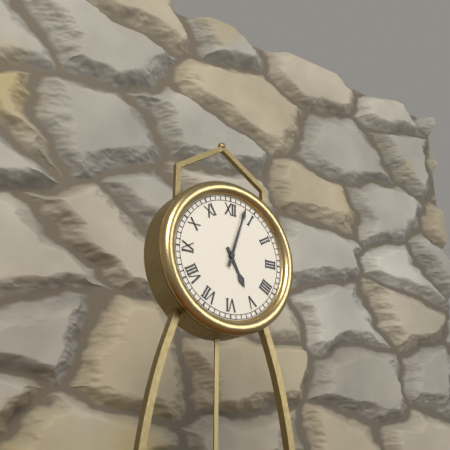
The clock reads 5,03
